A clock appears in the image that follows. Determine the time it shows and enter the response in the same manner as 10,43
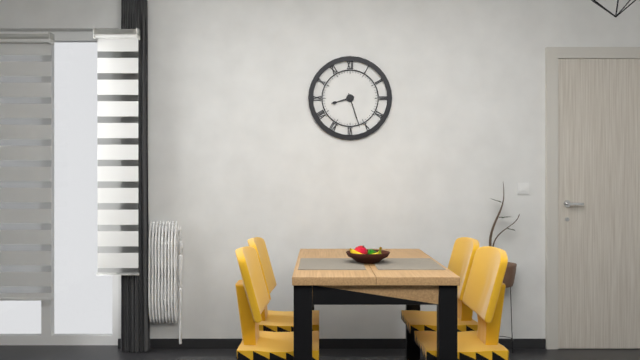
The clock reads 8,27
